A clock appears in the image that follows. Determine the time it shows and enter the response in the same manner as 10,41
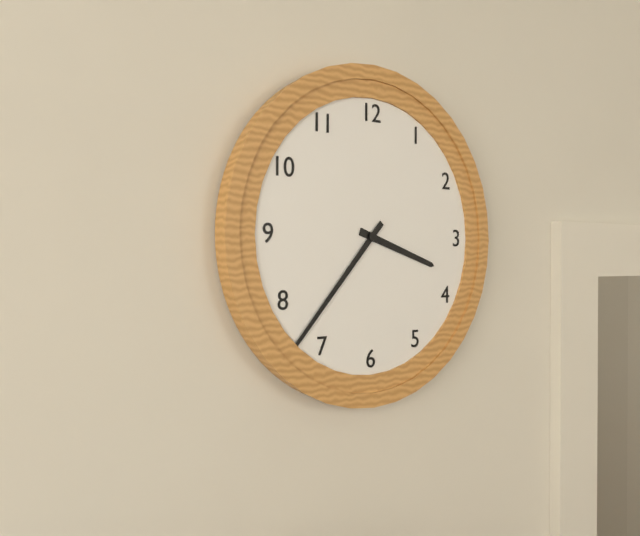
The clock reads 3,37
